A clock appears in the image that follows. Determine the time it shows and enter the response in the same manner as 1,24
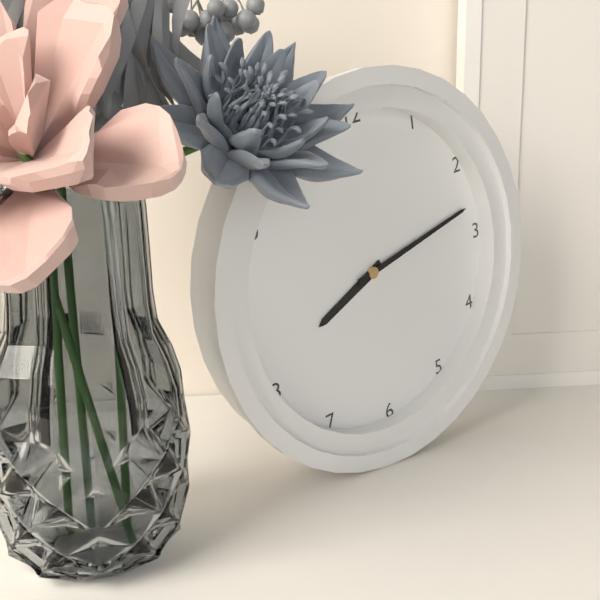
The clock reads 8,13
